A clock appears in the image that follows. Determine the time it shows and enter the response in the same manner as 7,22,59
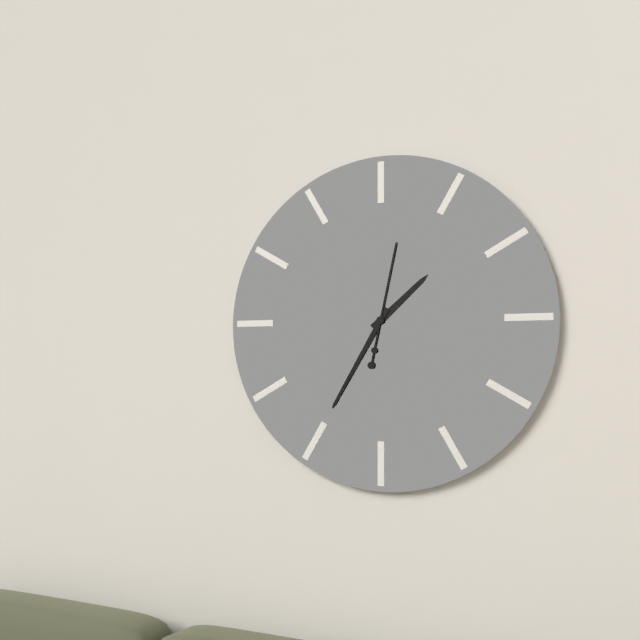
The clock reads 1,35,02
